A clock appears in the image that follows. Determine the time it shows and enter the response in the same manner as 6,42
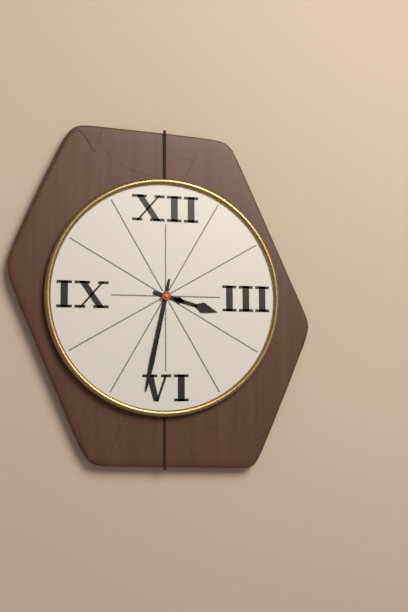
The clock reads 3,32
